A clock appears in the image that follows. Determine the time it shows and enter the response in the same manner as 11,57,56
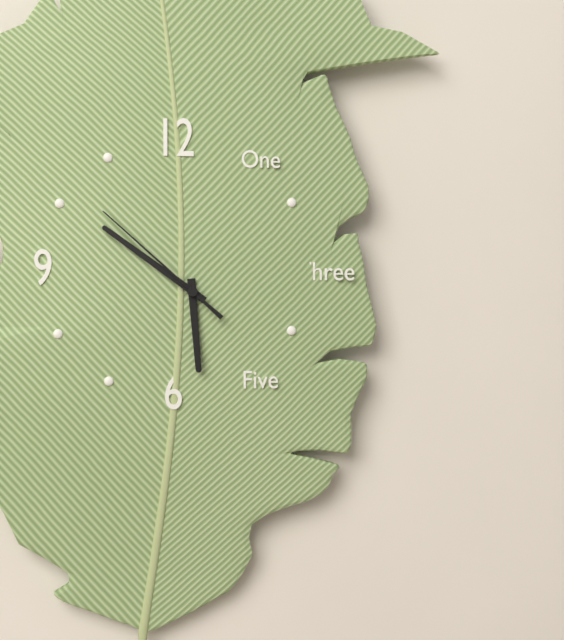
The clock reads 5,51,52
